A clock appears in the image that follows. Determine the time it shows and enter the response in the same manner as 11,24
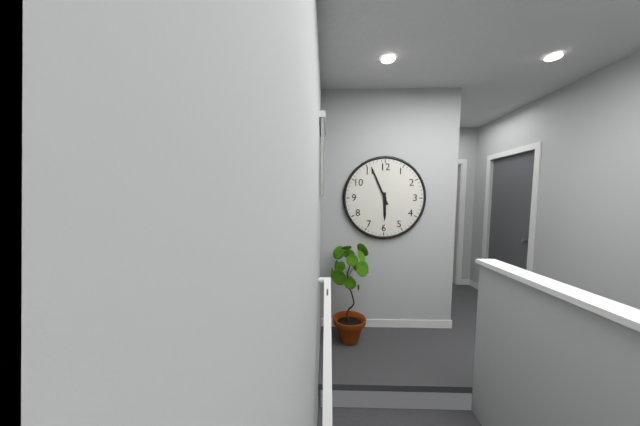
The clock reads 5,56
